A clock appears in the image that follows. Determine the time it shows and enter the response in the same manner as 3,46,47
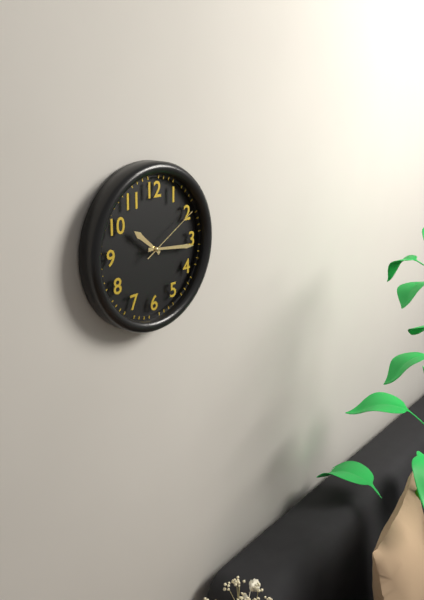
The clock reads 10,16,10
